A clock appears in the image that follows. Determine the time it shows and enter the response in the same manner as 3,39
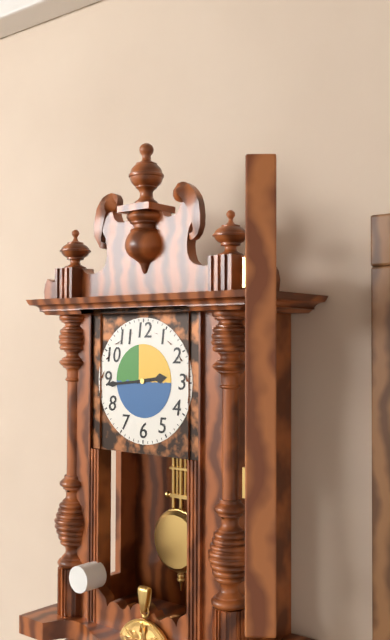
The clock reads 2,44
